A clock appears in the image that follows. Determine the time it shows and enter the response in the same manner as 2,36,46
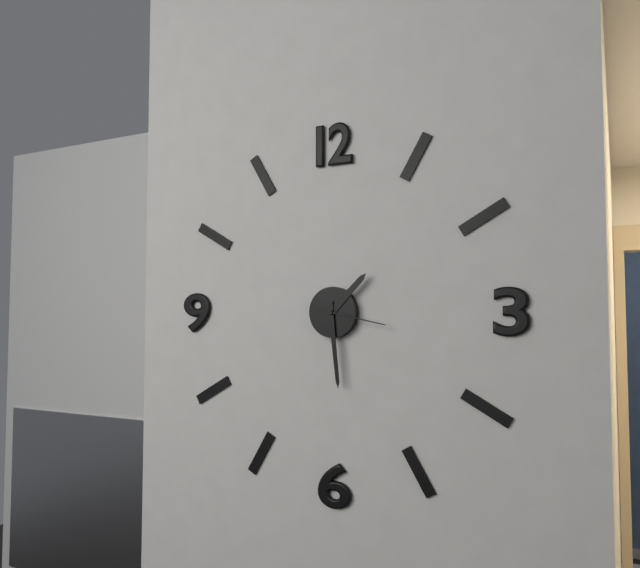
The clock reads 1,29,17
